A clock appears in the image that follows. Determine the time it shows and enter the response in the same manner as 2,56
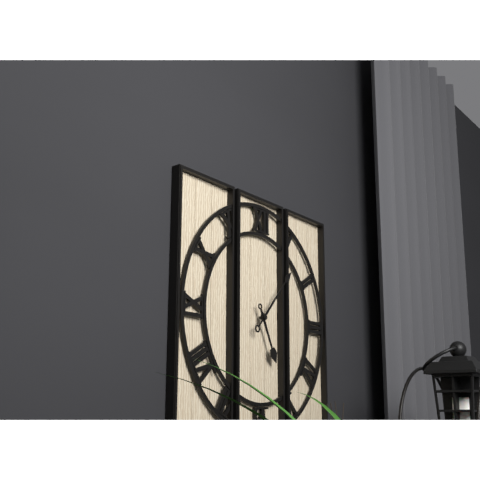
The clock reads 5,07
